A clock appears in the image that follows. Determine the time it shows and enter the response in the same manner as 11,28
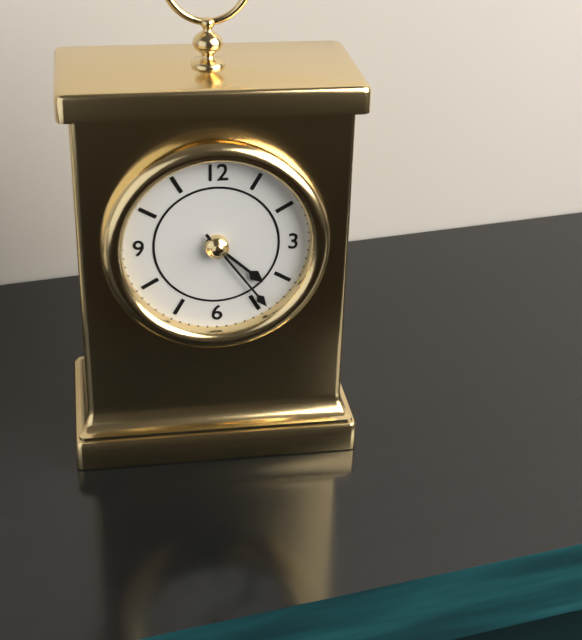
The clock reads 4,24
